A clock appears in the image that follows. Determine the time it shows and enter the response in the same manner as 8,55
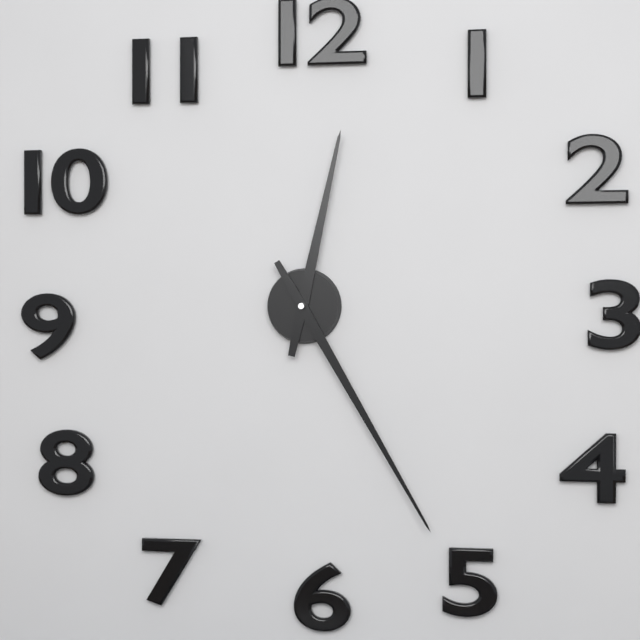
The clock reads 12,25
